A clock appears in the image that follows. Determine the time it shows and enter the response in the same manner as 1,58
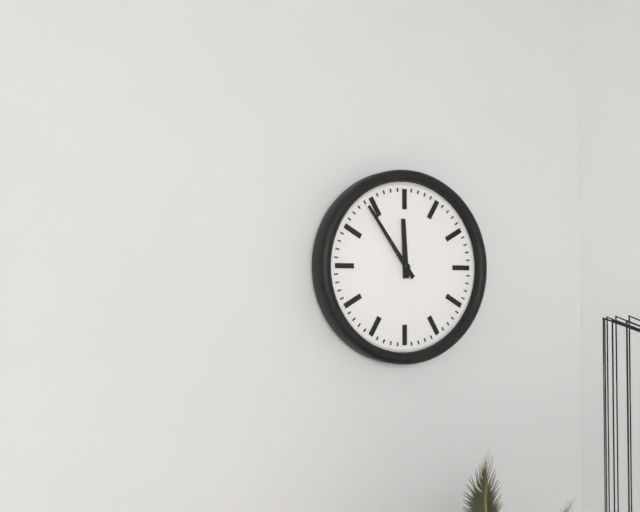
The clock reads 11,54
